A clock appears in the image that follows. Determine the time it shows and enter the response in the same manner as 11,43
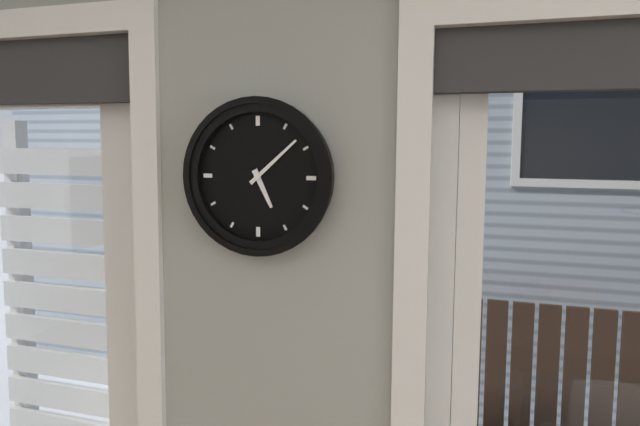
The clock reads 5,08
